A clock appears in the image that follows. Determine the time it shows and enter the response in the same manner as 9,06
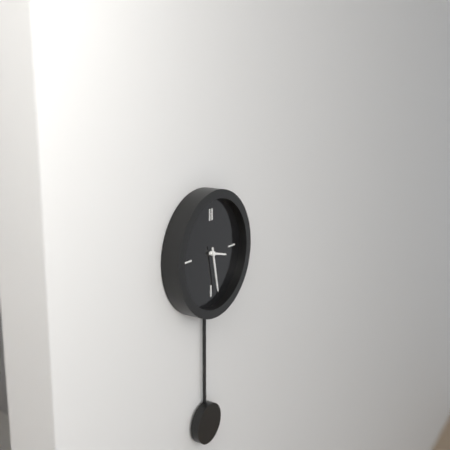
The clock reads 3,28
